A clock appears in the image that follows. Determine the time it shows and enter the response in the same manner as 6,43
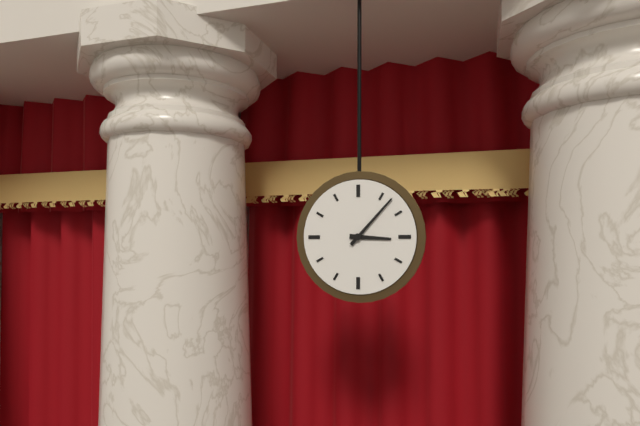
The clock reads 3,07
